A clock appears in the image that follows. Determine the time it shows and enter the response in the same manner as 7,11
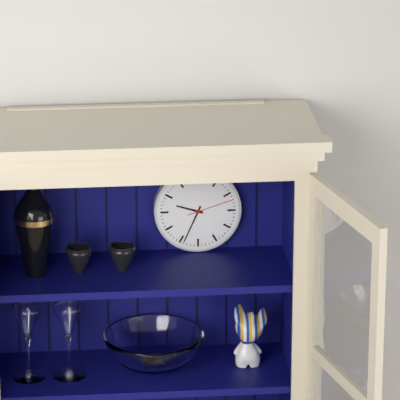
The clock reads 9,34
